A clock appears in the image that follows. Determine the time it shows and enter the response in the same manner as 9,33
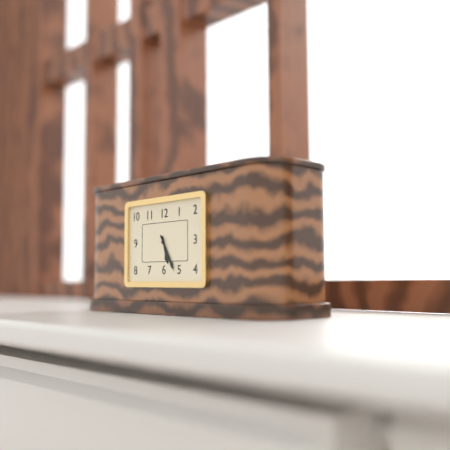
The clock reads 5,25
